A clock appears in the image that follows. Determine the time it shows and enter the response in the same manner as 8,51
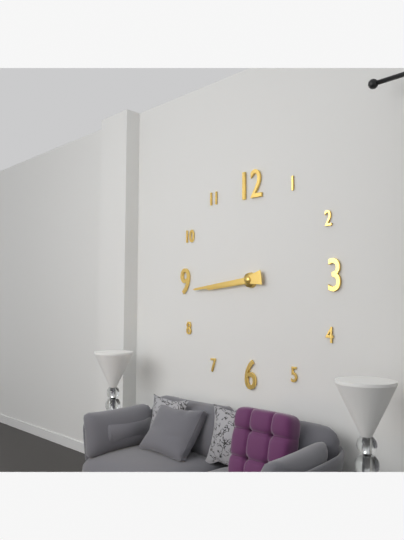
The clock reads 8,44
